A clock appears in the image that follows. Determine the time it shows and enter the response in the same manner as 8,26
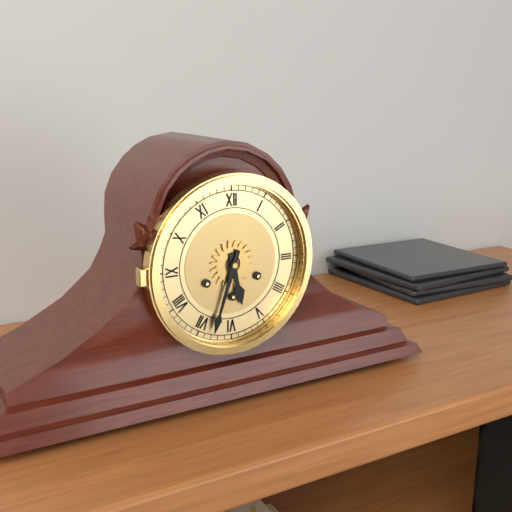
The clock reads 5,33
